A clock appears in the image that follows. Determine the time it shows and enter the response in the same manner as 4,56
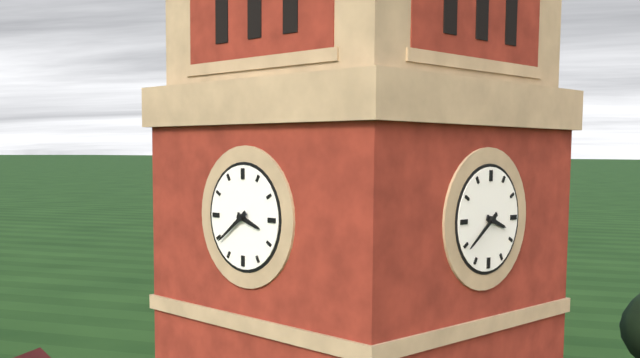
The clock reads 3,39
